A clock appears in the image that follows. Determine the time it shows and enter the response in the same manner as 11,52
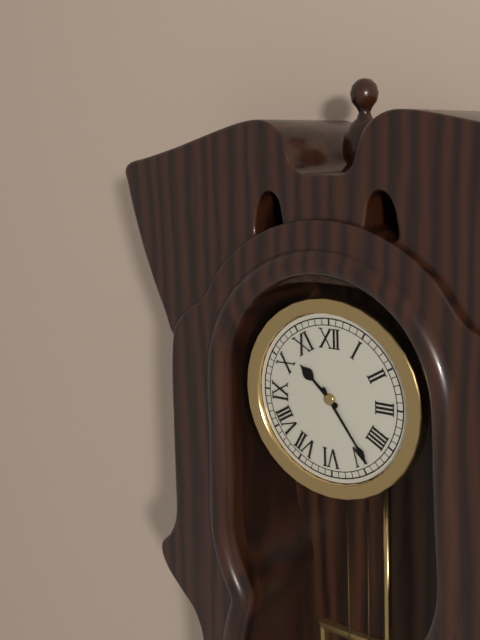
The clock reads 10,24
